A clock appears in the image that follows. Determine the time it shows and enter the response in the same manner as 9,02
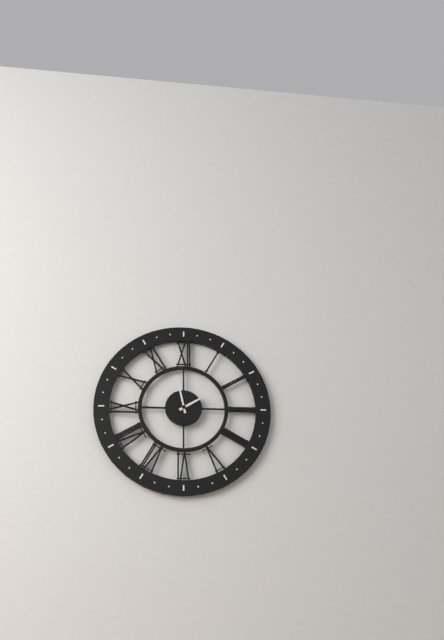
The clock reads 1,58
